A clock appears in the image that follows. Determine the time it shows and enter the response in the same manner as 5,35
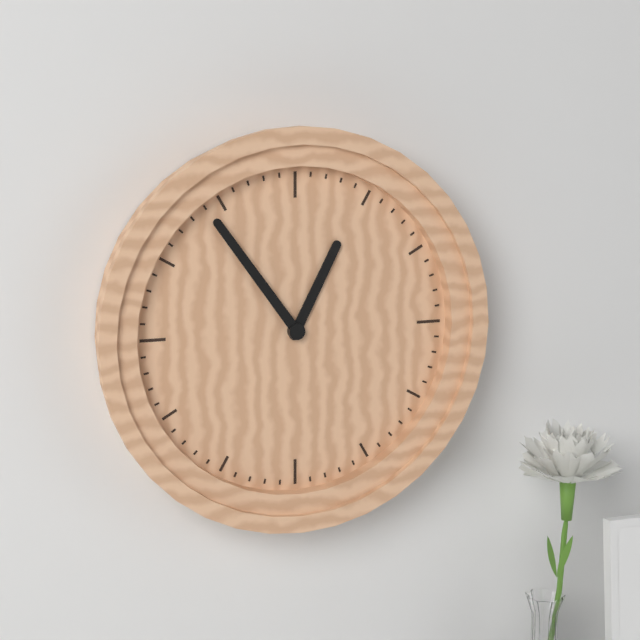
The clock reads 12,54
